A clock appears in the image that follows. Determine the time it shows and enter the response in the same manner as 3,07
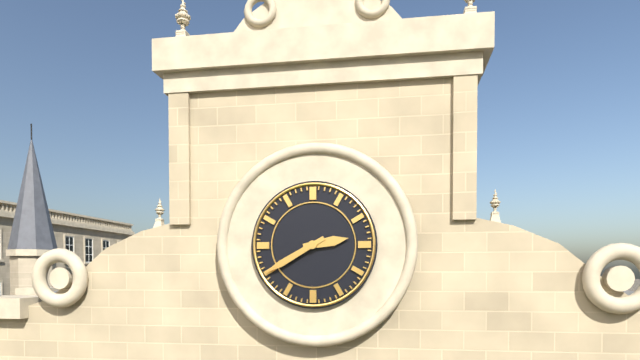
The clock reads 2,40
